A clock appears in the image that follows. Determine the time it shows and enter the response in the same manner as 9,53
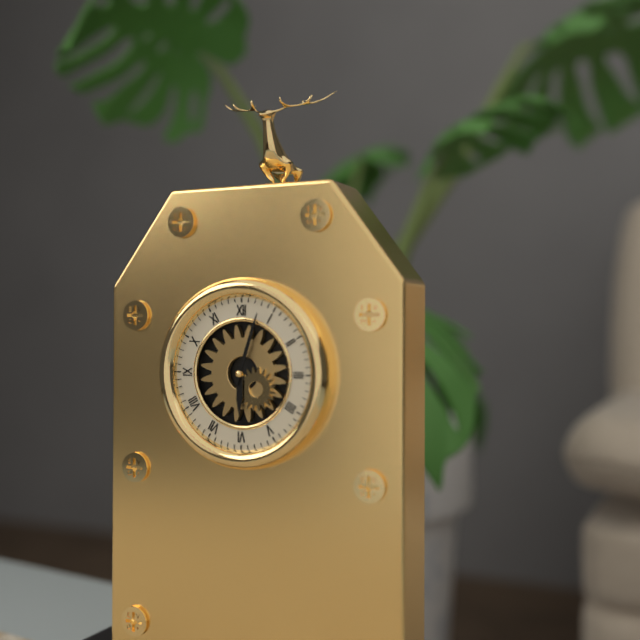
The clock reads 6,03
